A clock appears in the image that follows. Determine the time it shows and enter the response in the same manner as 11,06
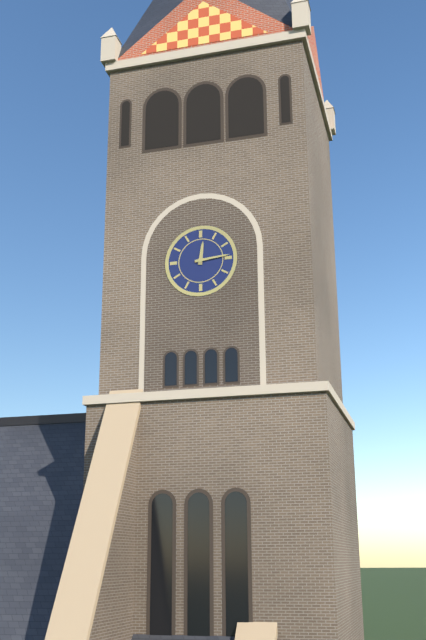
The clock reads 12,14
